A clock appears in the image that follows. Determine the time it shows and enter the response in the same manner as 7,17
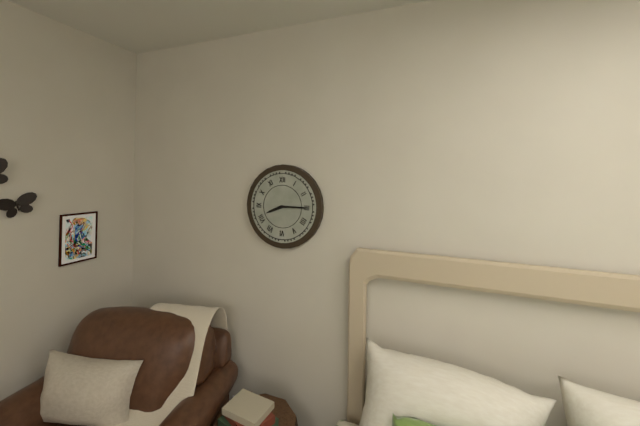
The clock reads 8,15
